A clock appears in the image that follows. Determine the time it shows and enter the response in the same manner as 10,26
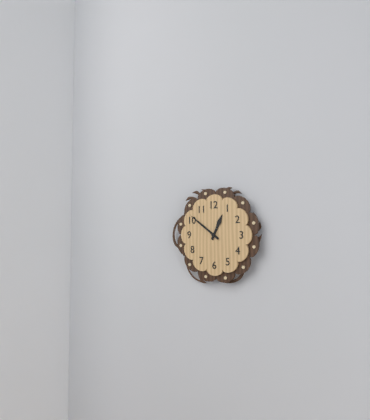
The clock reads 12,51
